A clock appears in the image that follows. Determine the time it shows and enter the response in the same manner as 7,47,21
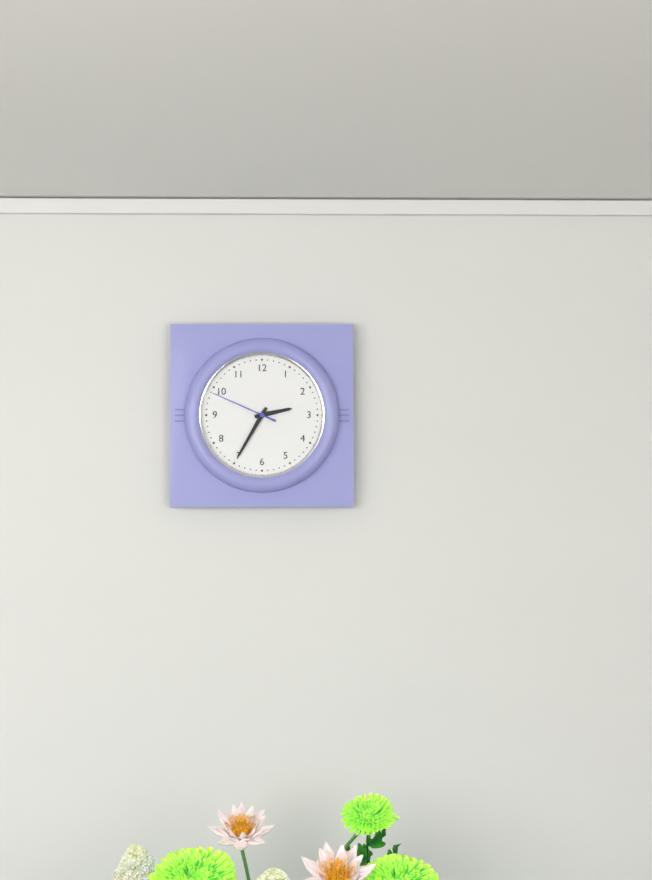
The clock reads 2,35,49
